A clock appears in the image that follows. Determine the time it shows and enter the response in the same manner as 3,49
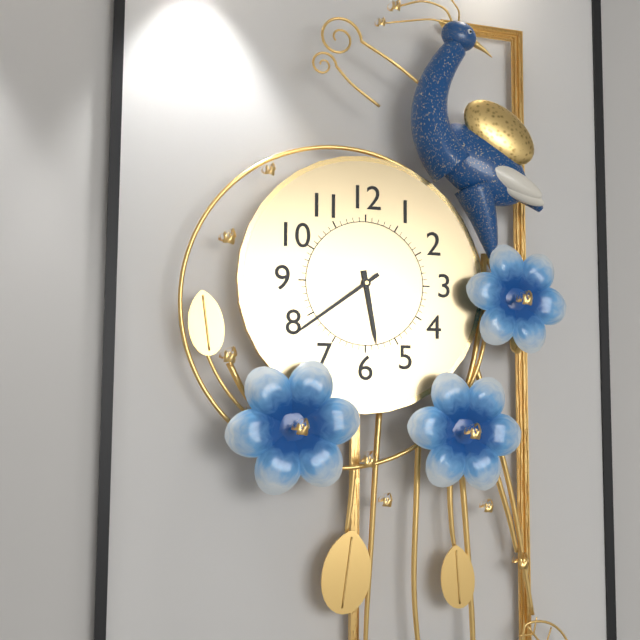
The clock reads 5,39
